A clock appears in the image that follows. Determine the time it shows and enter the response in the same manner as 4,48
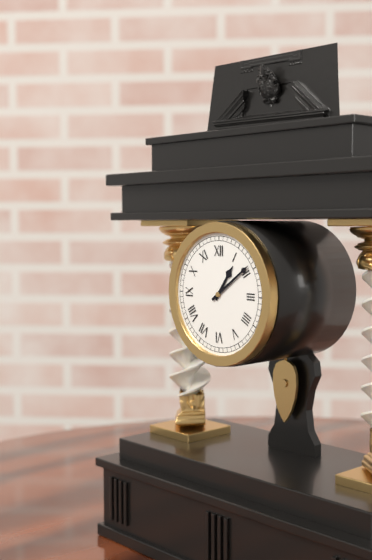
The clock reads 1,09
